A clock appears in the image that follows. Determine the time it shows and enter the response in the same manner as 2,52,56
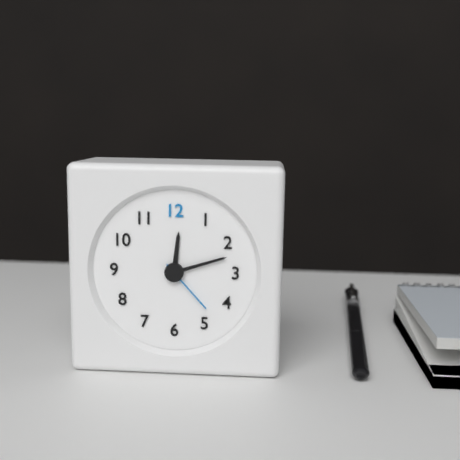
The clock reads 12,12,23
